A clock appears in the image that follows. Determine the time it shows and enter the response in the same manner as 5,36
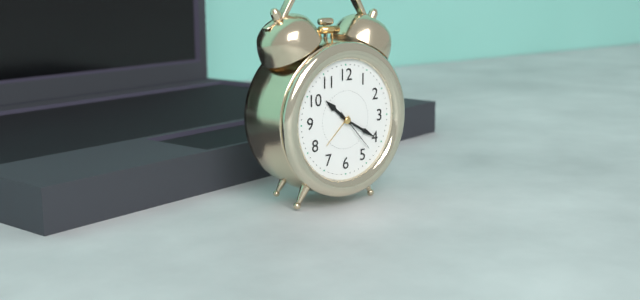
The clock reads 10,20
